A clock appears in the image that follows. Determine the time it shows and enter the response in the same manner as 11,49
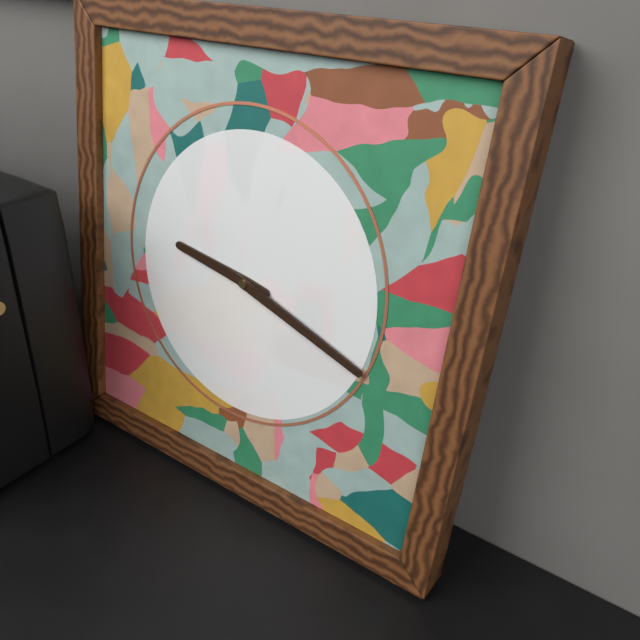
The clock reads 9,18
